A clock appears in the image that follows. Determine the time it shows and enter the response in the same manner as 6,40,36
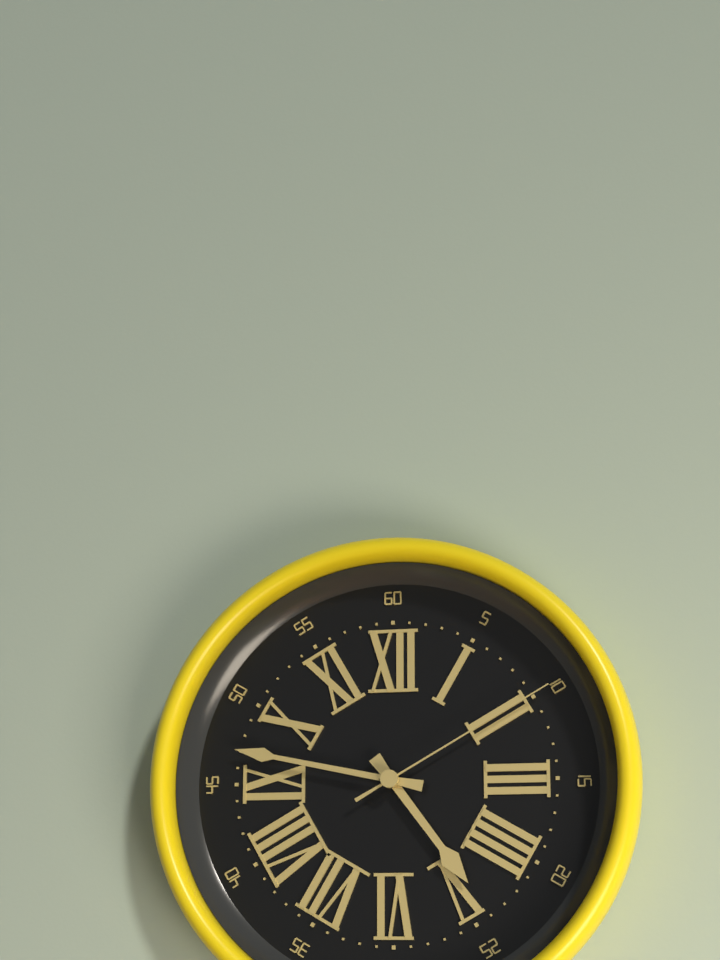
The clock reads 4,47,10
